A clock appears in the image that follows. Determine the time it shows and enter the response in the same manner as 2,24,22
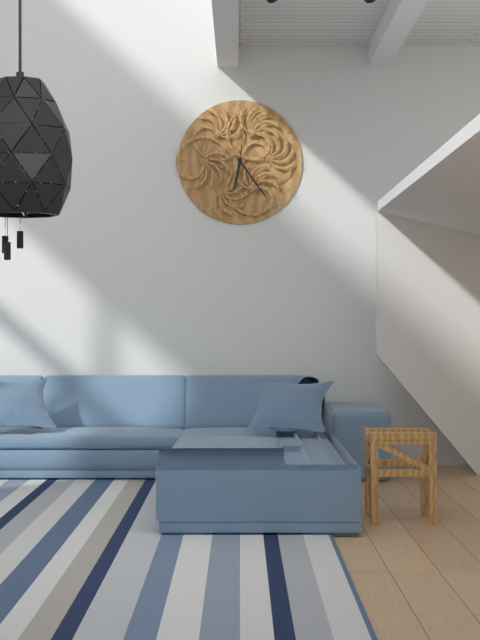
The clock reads 6,24,01
